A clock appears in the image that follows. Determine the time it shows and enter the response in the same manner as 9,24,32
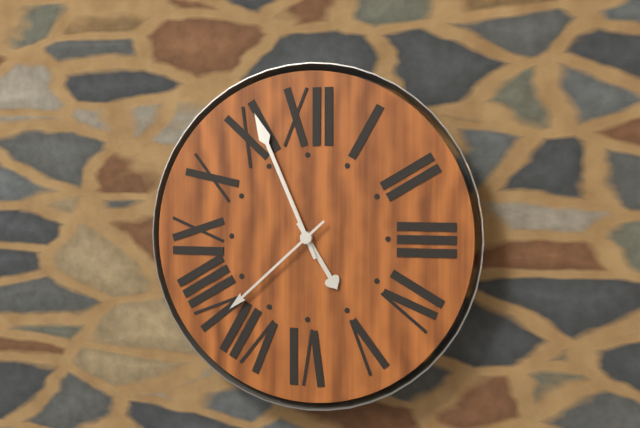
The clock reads 4,56,38
